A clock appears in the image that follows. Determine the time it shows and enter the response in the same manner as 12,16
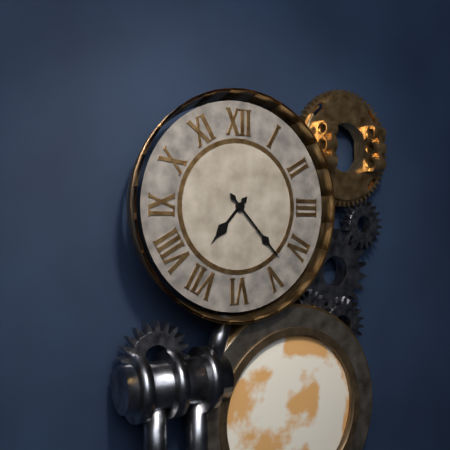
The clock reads 7,23
